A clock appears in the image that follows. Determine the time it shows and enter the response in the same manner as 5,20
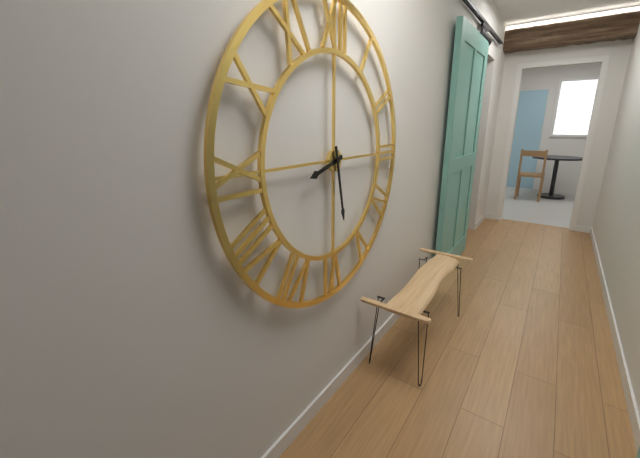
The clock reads 8,28
